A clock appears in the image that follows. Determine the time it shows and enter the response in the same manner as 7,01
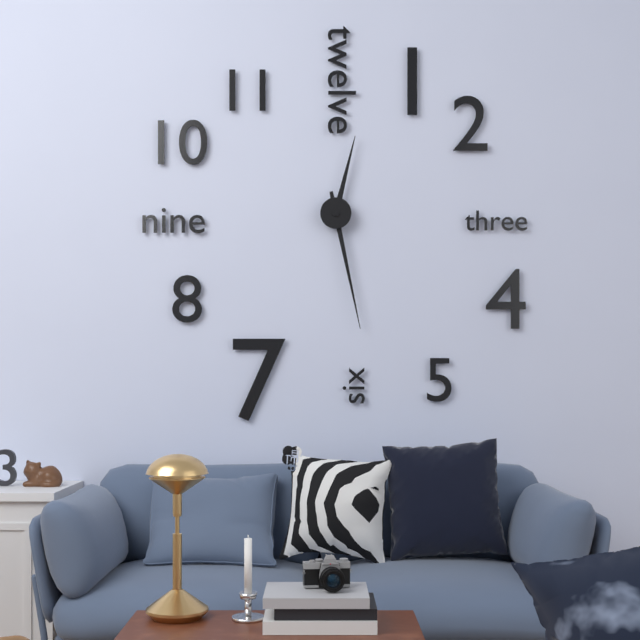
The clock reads 12,28
